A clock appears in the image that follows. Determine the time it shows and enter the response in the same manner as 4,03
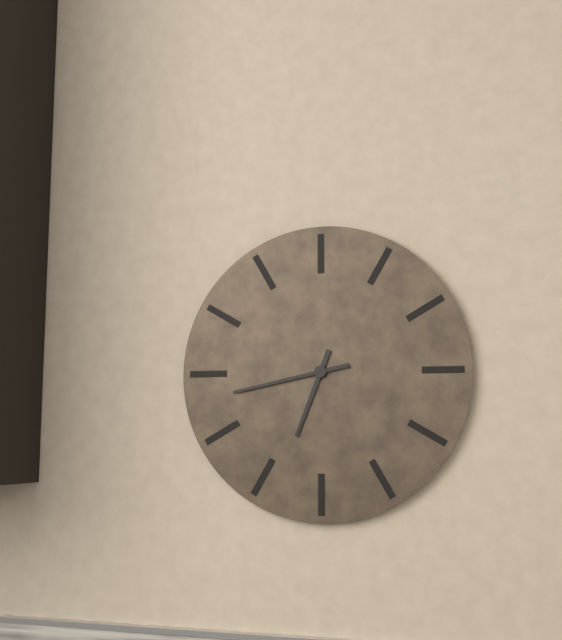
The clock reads 6,43
